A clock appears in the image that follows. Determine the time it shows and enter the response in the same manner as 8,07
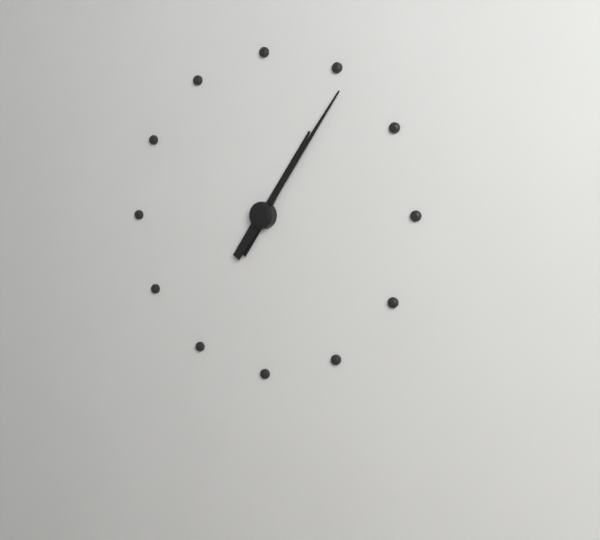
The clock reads 1,06
